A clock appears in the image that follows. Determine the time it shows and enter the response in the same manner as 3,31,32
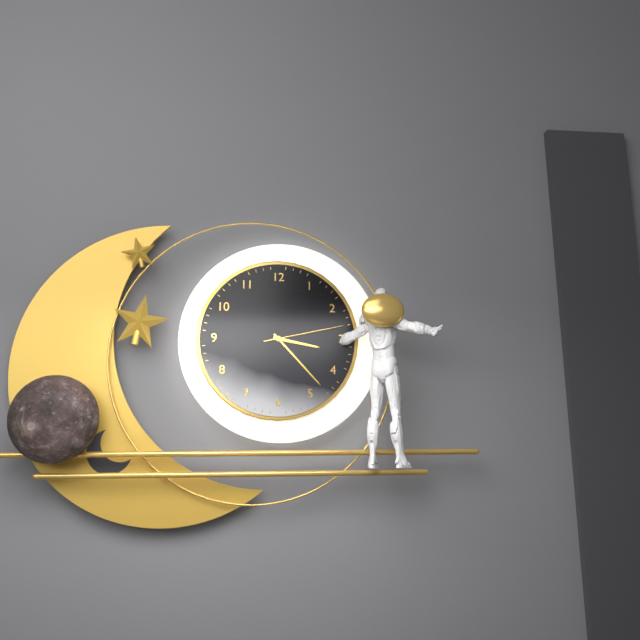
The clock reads 3,23,13
